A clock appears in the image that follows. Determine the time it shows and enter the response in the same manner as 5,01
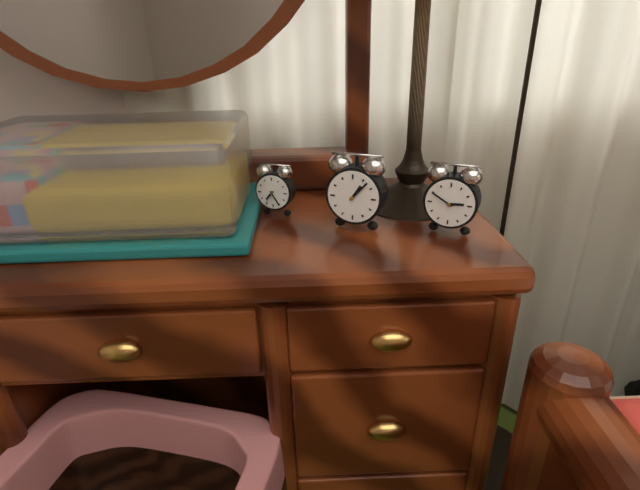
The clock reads 1,07
